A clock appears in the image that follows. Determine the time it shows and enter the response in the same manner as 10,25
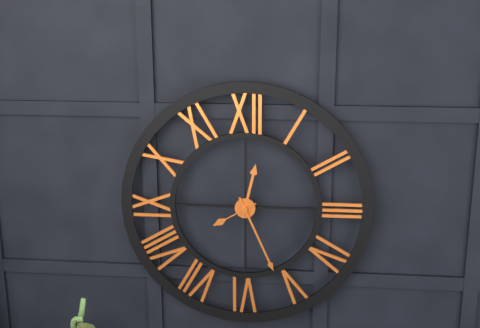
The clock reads 12,26
